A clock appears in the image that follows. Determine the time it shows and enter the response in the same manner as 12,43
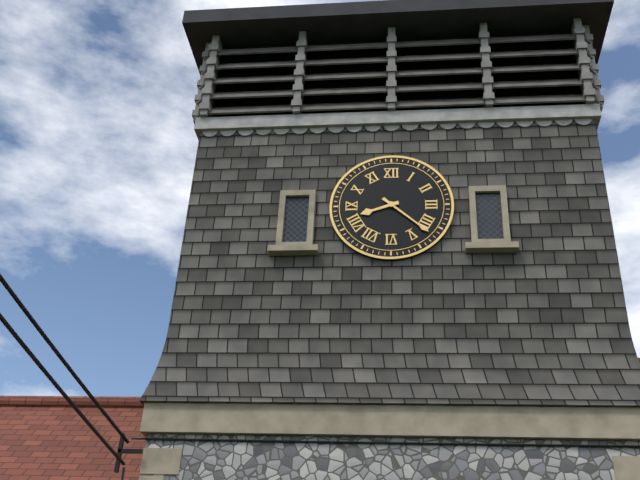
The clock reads 8,22
